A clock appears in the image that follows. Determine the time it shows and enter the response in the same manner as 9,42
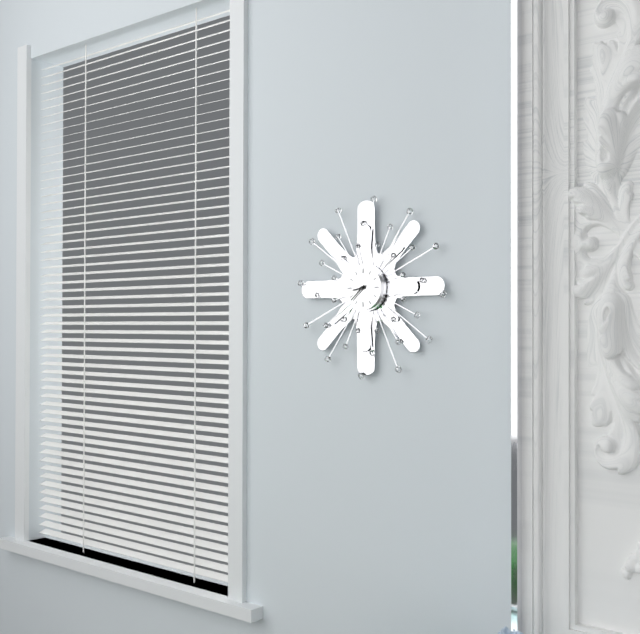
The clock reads 8,38
